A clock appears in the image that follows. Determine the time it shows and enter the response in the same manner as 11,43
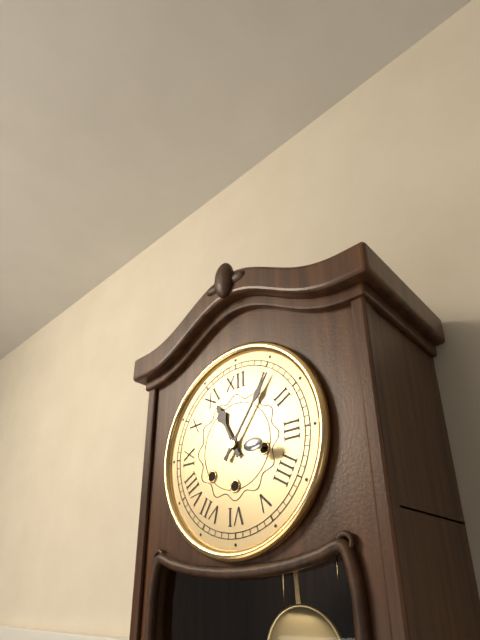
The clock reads 11,06
